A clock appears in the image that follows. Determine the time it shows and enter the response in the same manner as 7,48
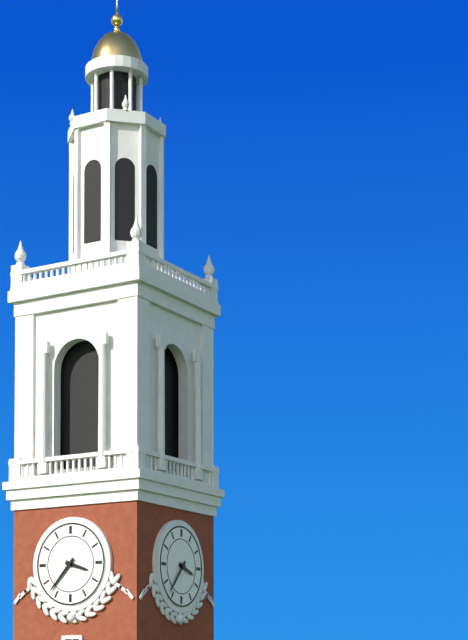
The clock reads 3,37
